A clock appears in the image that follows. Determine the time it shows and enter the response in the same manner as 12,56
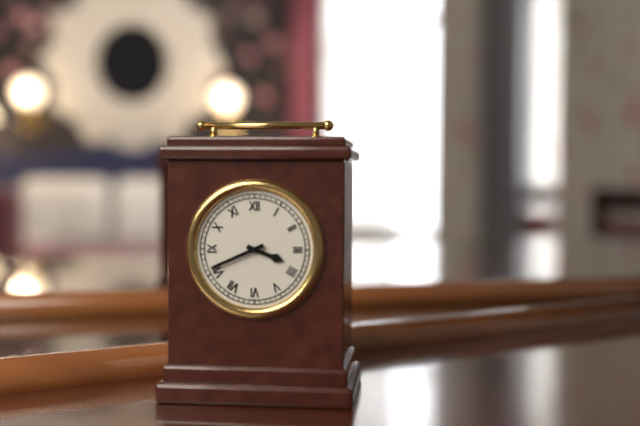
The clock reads 3,41
